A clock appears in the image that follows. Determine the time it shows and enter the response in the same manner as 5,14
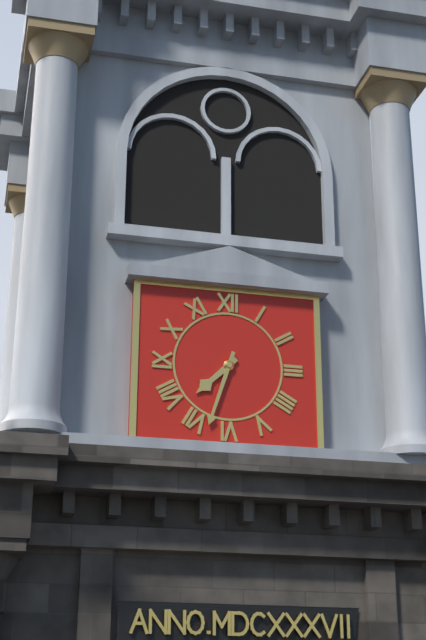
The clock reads 7,33
